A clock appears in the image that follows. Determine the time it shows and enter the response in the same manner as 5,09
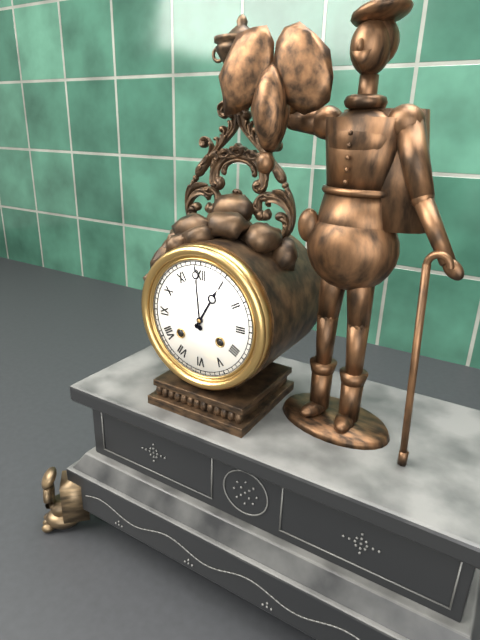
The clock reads 12,59
